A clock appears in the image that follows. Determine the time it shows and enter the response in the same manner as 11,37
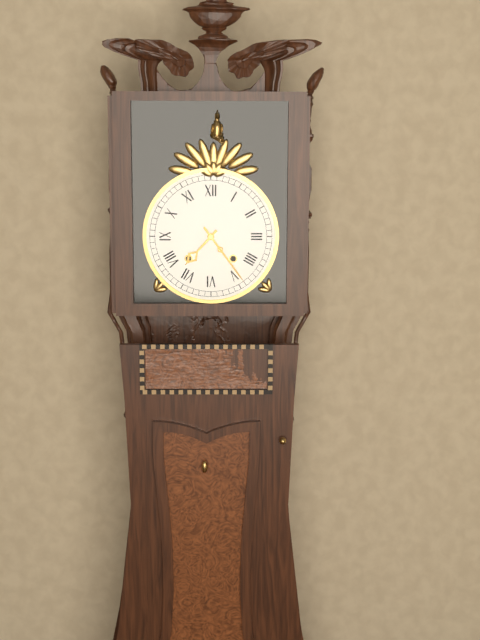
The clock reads 7,24
